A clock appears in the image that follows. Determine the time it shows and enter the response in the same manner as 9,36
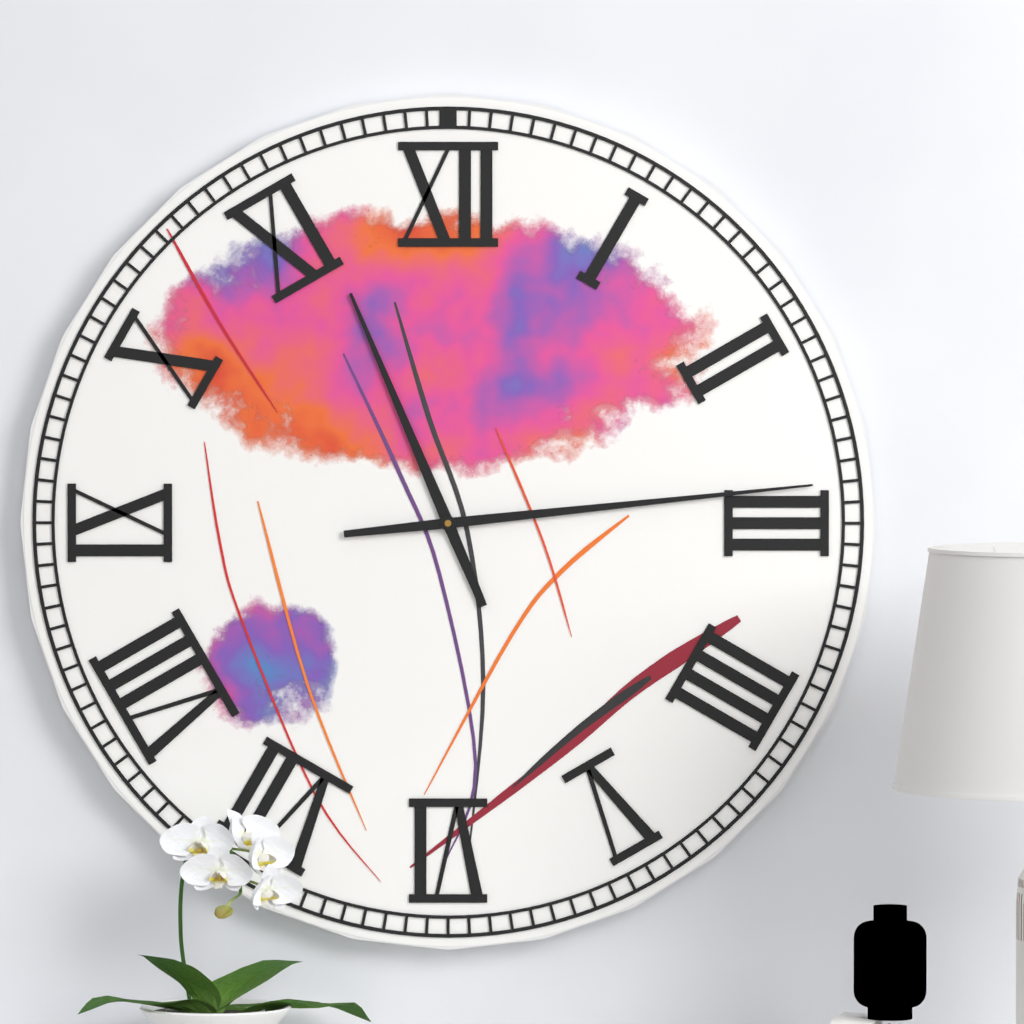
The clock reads 11,14
